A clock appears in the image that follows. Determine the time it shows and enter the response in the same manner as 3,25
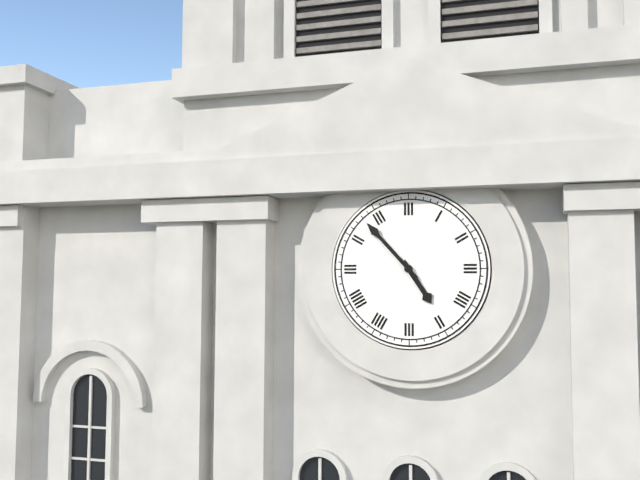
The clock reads 4,53
